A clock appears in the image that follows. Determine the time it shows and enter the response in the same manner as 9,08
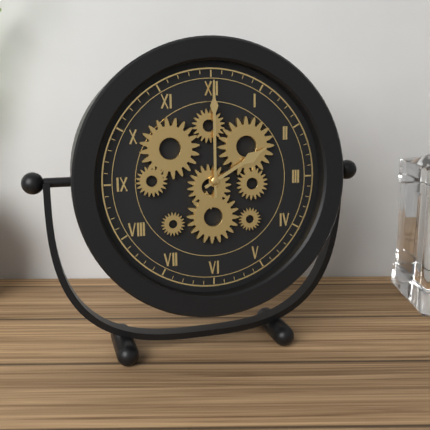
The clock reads 2,00
